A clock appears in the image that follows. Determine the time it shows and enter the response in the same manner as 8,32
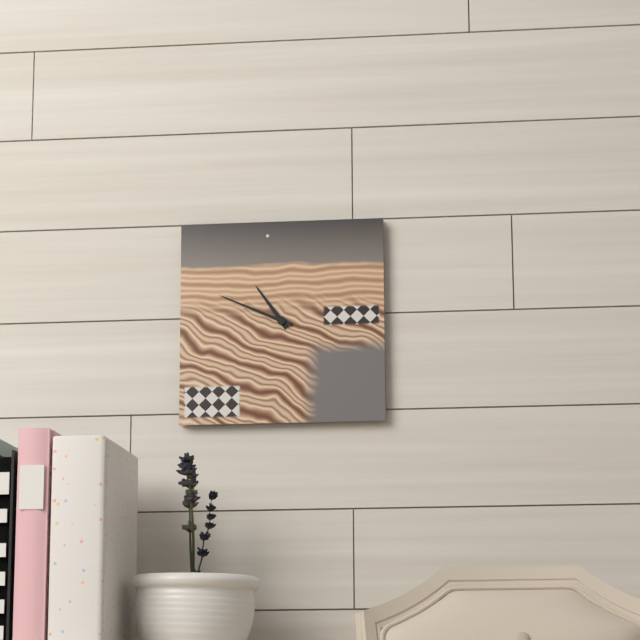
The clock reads 10,49
